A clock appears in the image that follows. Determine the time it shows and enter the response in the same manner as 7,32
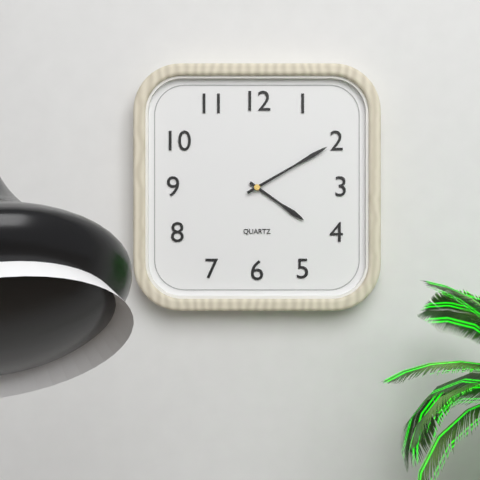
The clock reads 4,10
